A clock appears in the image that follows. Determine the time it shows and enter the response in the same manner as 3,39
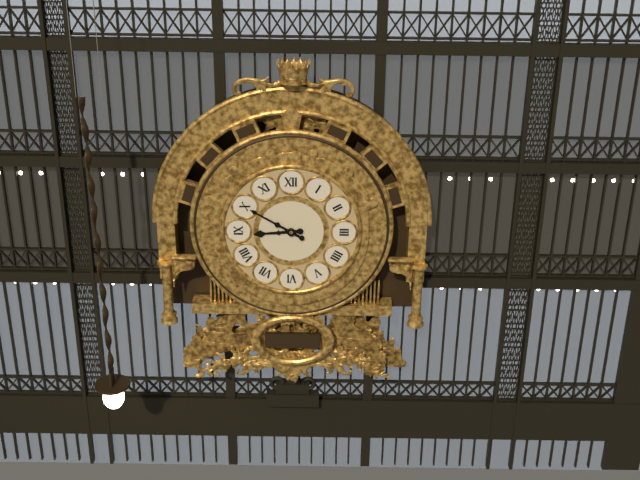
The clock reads 8,50
